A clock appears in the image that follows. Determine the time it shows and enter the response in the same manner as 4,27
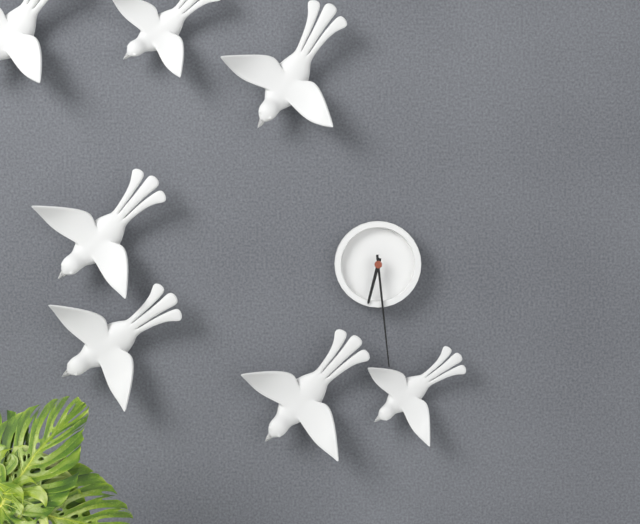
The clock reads 6,29
